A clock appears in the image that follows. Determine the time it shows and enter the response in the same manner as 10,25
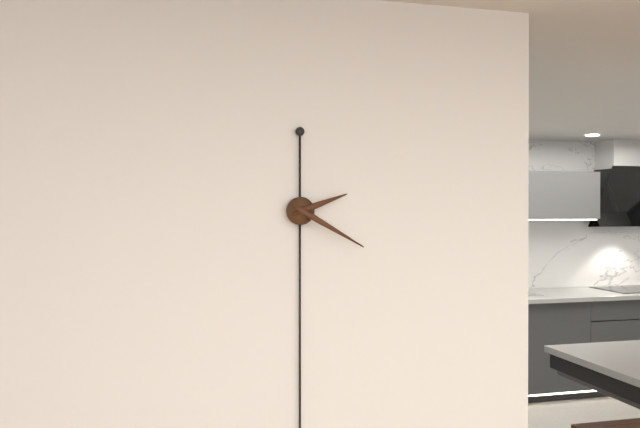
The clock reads 2,20
